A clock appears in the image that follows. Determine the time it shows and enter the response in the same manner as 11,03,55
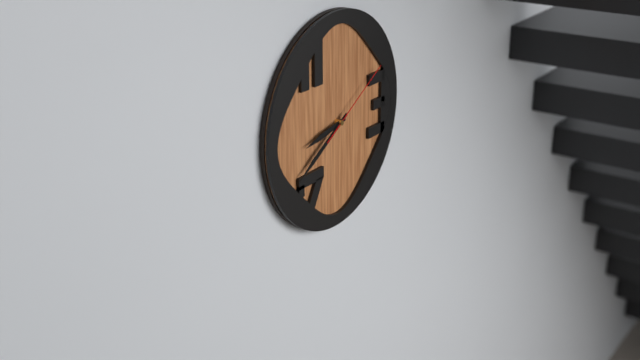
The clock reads 8,40,10
